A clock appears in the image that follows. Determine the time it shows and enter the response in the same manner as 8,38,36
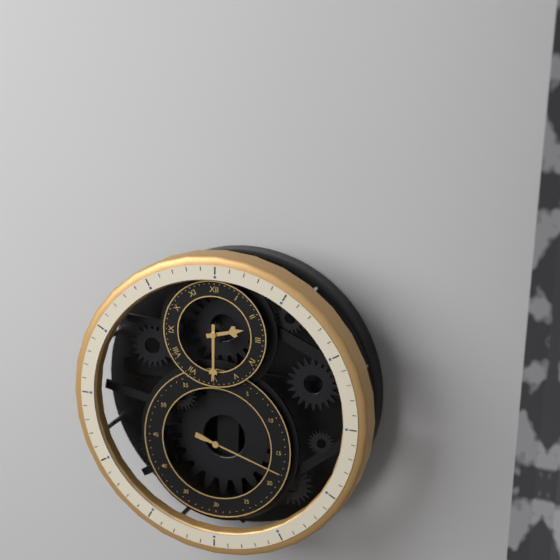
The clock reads 2,30,18
